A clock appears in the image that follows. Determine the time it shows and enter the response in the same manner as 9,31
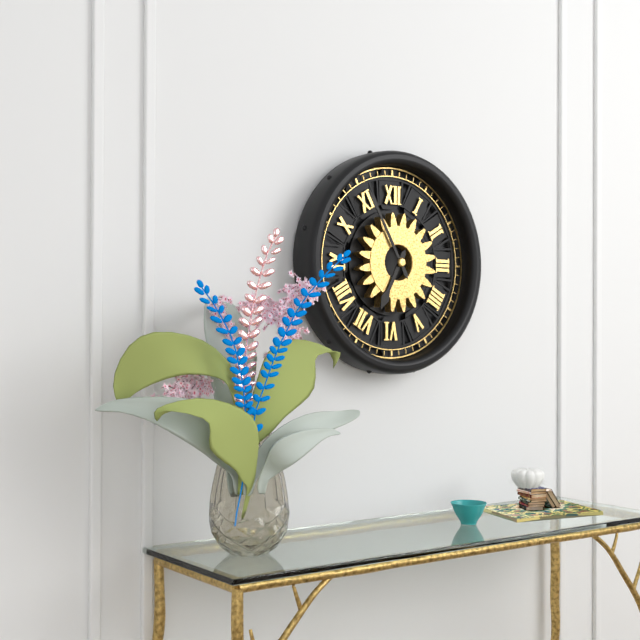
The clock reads 6,55
